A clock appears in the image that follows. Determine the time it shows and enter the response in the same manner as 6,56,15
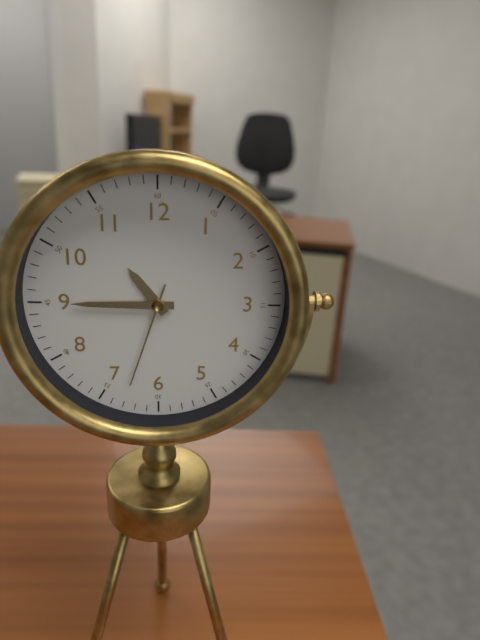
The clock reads 10,45,33
